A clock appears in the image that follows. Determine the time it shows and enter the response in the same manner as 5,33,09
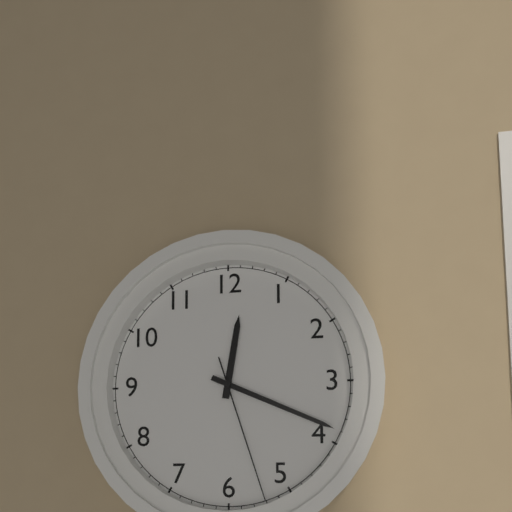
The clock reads 12,19,27
